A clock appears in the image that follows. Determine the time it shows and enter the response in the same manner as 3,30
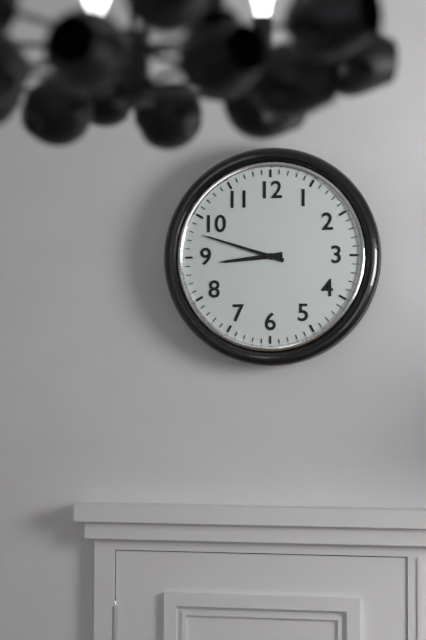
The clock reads 8,48
